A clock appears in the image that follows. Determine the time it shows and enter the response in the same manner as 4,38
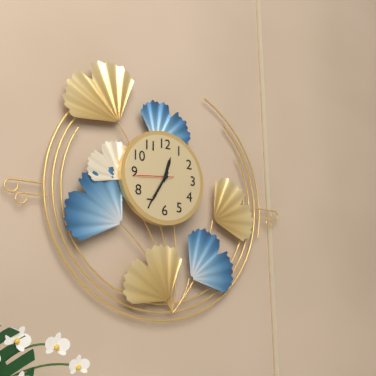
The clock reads 12,35
